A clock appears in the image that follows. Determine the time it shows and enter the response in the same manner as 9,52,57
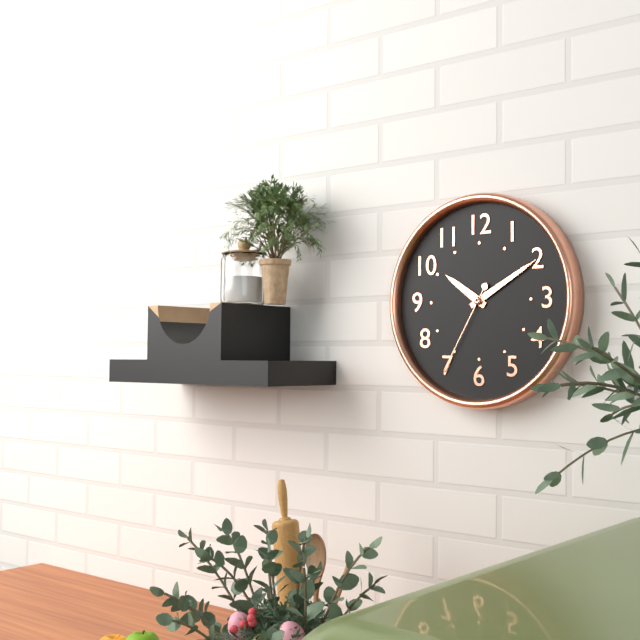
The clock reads 10,10,35
